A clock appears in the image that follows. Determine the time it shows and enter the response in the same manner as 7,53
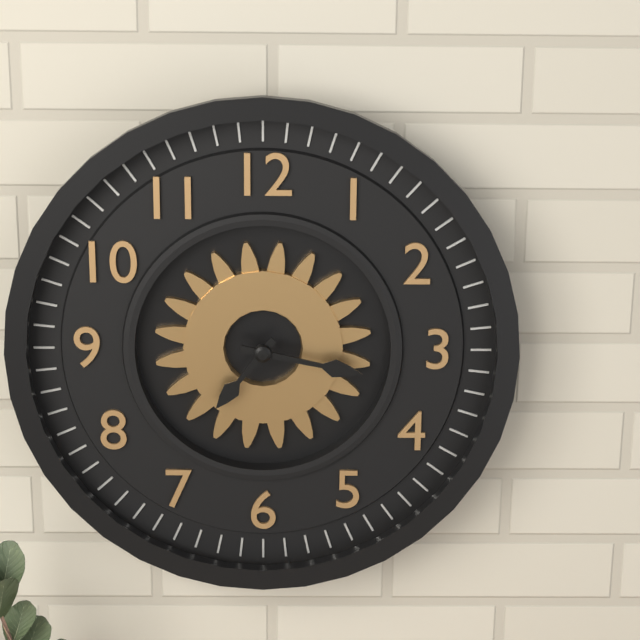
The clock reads 7,17
